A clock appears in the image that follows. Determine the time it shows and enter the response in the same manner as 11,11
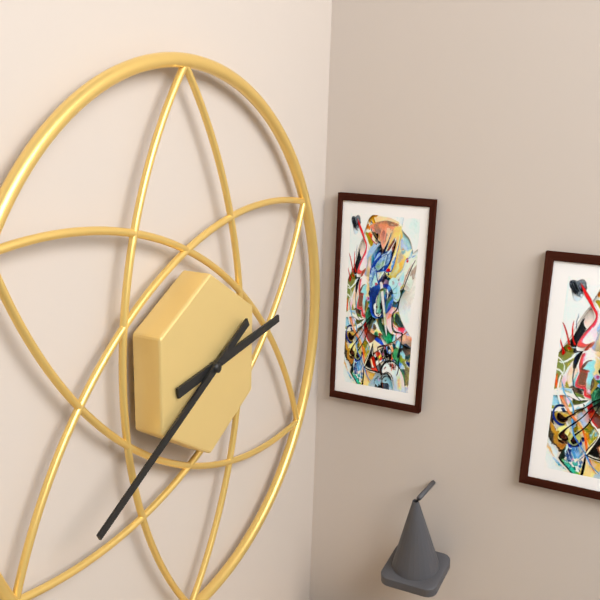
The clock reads 2,40
